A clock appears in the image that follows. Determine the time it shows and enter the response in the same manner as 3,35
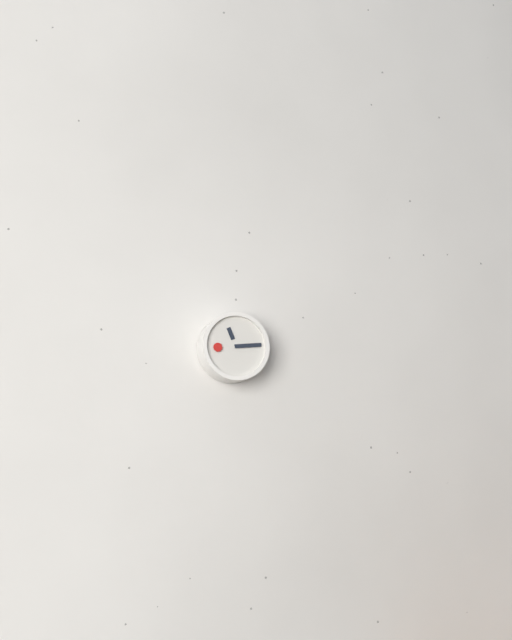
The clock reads 11,14
